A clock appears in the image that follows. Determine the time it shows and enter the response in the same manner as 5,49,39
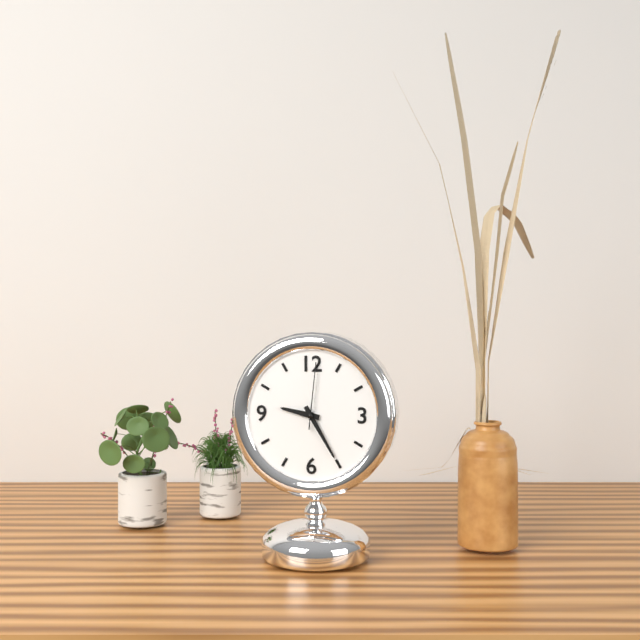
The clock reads 9,25,01
